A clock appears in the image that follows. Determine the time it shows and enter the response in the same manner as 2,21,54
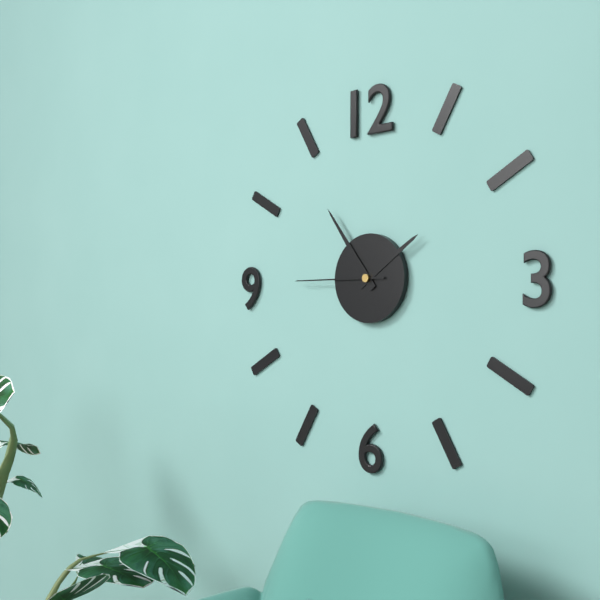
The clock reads 1,54,45
